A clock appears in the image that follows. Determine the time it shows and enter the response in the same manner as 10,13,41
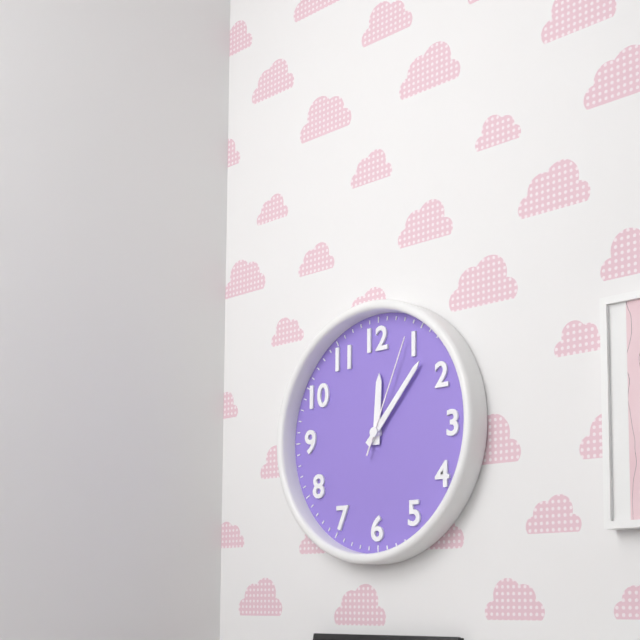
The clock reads 12,07,04
